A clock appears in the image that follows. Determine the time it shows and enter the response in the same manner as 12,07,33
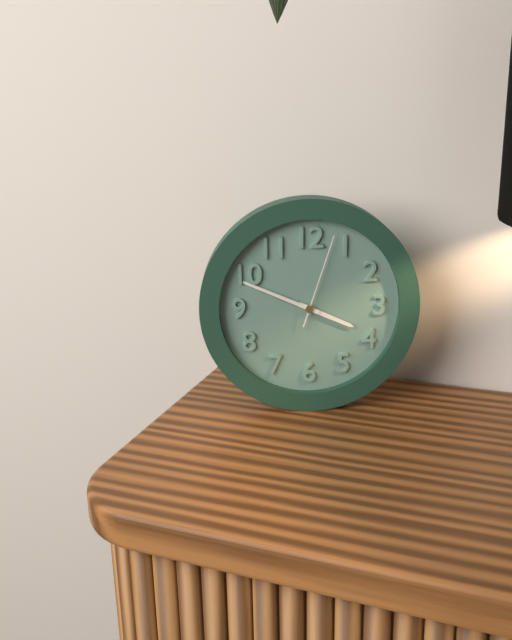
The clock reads 3,49,03
